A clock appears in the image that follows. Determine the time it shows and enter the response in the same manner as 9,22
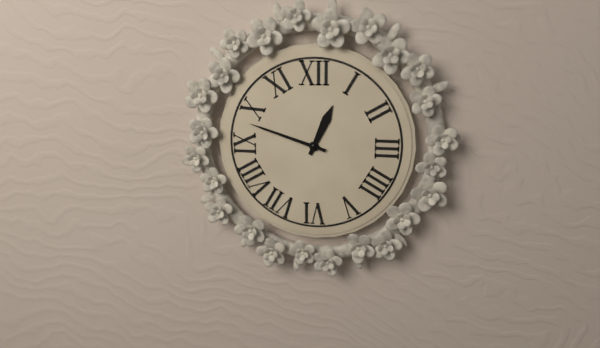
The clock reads 12,48
